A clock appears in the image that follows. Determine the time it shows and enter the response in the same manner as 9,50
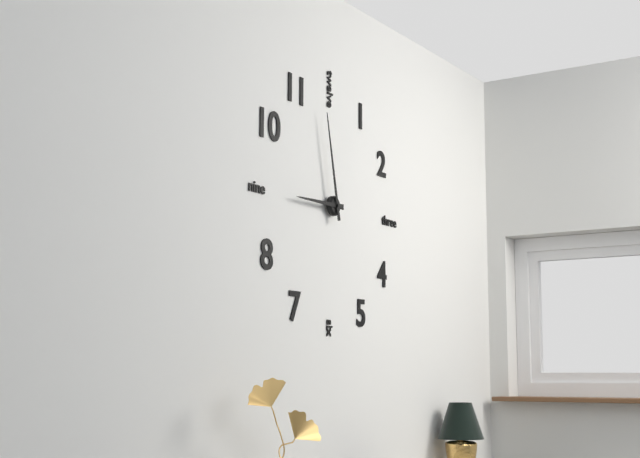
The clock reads 8,58
